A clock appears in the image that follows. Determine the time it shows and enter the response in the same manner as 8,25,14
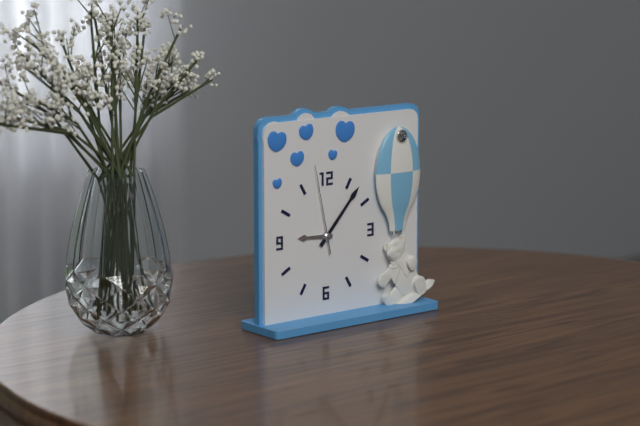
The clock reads 9,07,58
